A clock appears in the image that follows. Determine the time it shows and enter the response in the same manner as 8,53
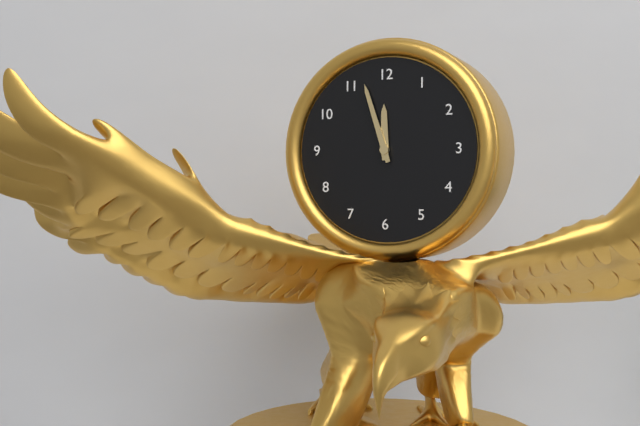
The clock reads 11,57
